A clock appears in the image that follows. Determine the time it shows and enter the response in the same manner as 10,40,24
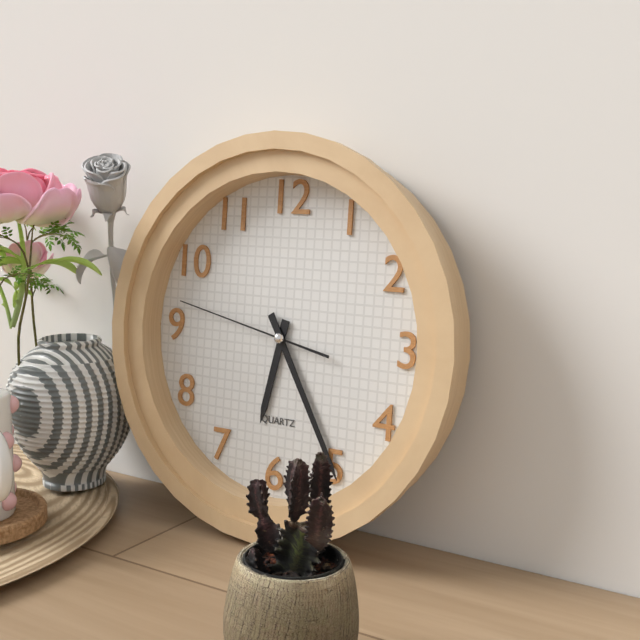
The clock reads 6,25,47
